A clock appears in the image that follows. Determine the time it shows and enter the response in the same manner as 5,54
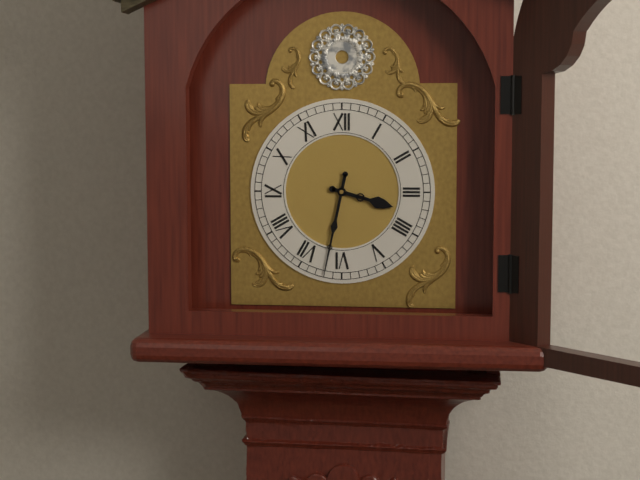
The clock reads 3,32
